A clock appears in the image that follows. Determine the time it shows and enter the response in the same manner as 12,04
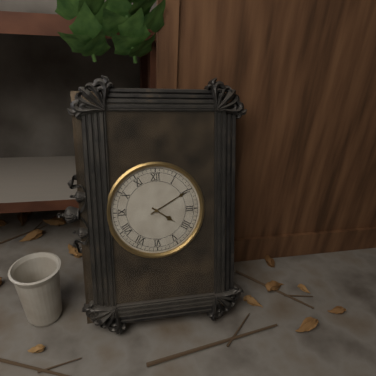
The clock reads 4,10
